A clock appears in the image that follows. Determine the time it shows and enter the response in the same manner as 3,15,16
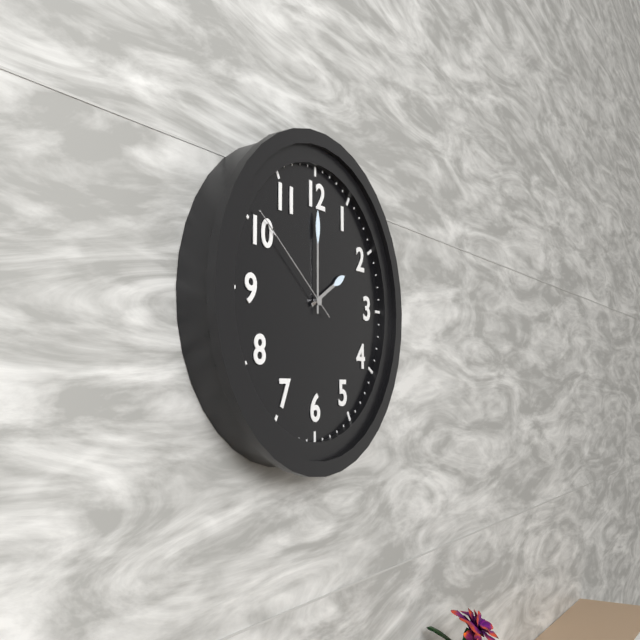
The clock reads 2,00,51
